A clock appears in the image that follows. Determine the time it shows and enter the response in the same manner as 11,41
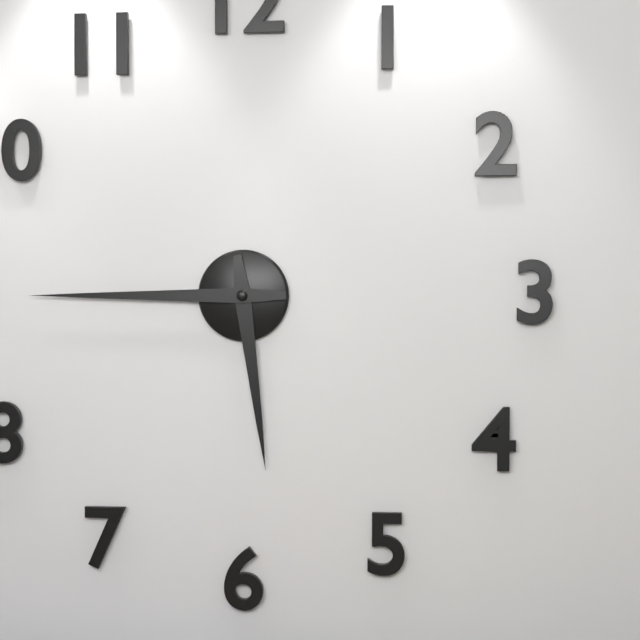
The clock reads 5,45
